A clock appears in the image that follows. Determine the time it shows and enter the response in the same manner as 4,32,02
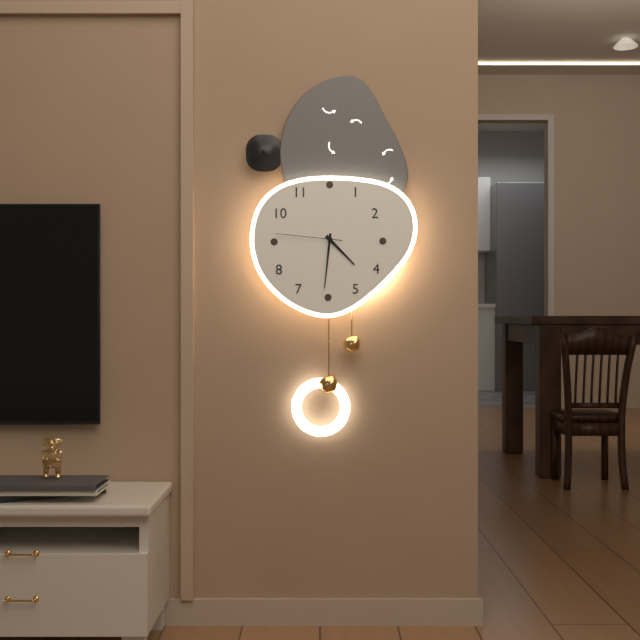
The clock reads 4,31,46
